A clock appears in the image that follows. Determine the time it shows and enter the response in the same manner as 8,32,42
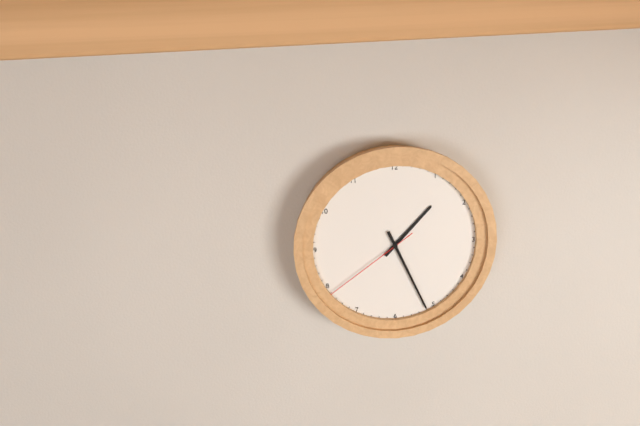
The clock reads 1,26,39
